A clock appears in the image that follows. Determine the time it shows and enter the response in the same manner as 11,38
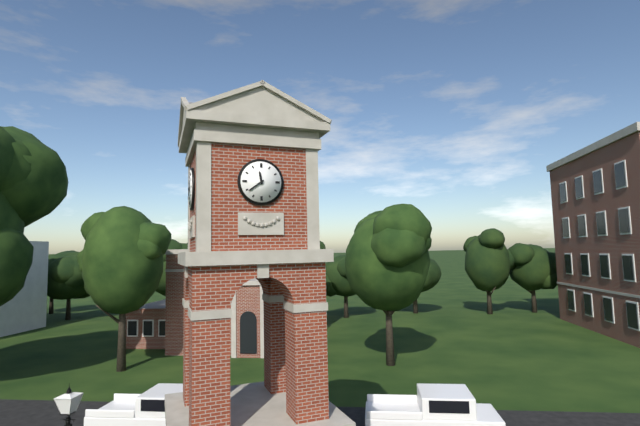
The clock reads 11,39
